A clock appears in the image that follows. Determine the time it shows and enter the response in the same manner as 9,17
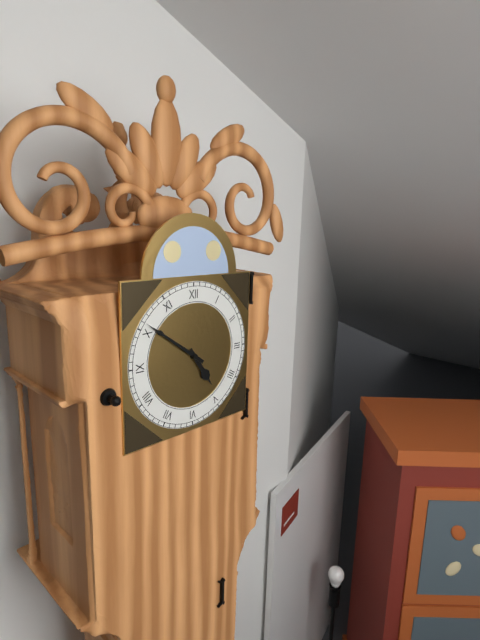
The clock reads 4,51
